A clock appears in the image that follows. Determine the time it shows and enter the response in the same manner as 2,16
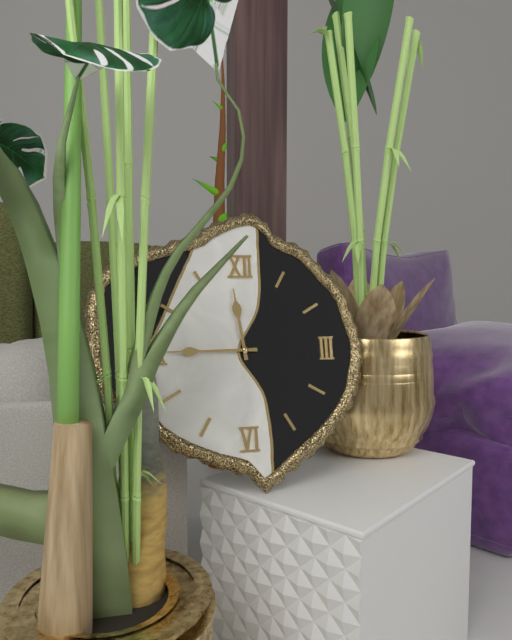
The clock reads 11,45
